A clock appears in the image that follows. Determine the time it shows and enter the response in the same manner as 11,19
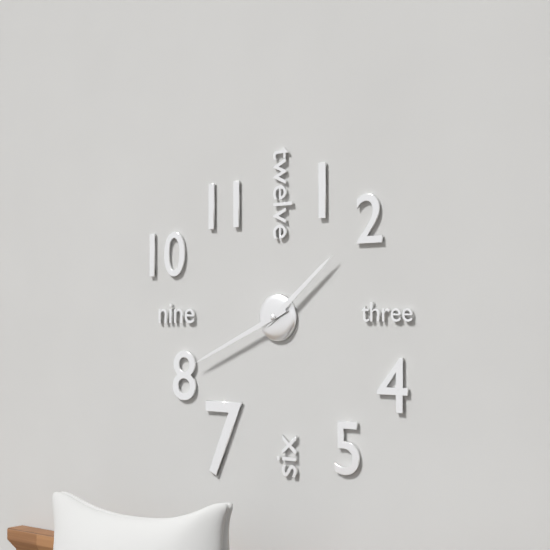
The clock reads 1,41
